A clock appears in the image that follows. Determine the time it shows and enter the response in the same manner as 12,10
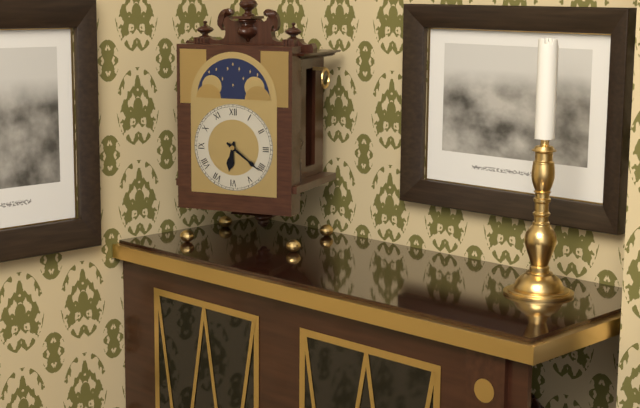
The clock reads 6,21
